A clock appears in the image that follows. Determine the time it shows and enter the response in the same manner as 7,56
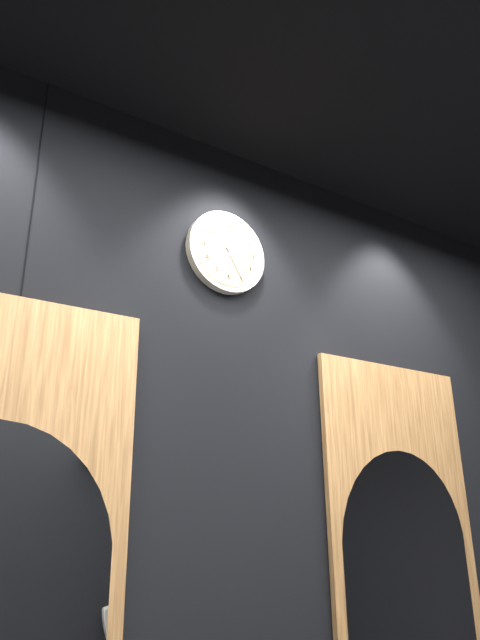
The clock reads 6,25
